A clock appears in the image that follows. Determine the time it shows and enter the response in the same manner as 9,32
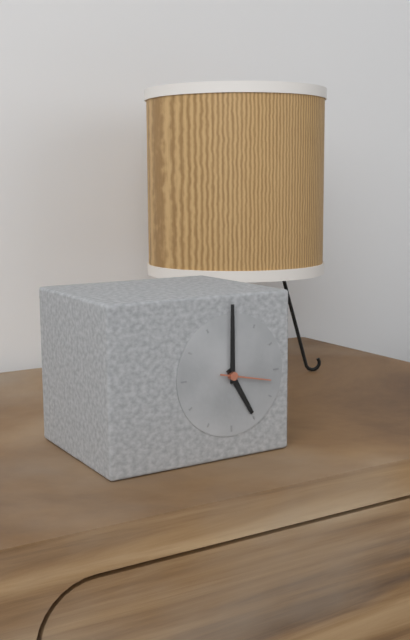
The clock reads 5,00
